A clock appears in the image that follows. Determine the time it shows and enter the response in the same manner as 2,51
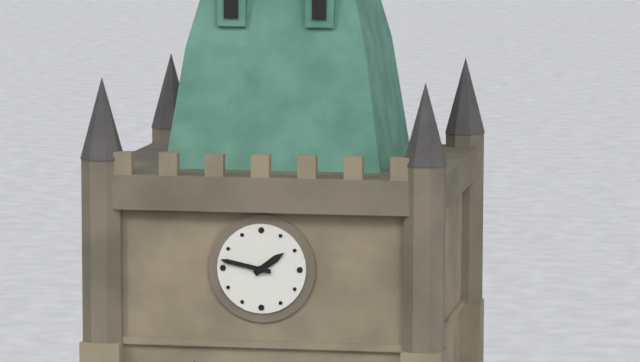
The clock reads 1,47
